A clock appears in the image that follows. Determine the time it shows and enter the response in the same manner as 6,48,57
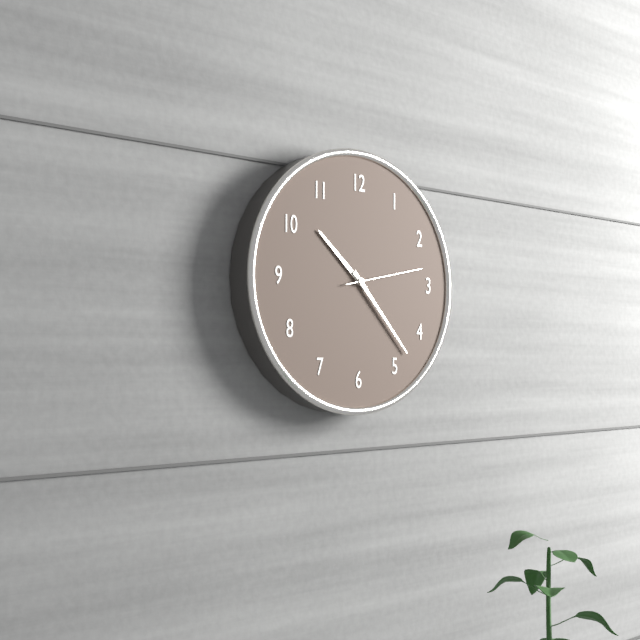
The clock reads 10,23,13
